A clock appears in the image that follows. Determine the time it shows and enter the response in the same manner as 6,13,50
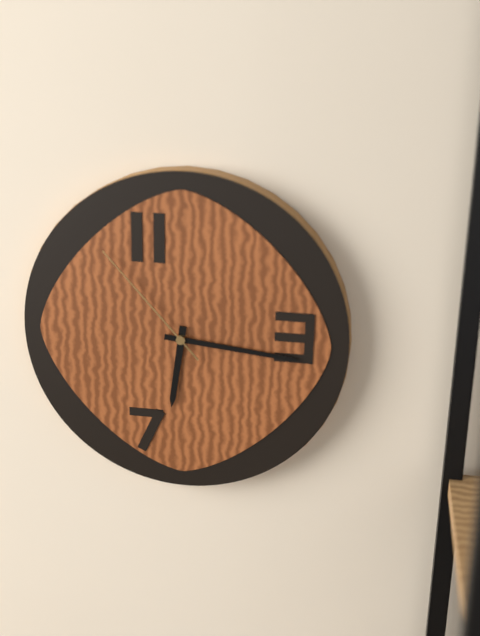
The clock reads 6,16,53
